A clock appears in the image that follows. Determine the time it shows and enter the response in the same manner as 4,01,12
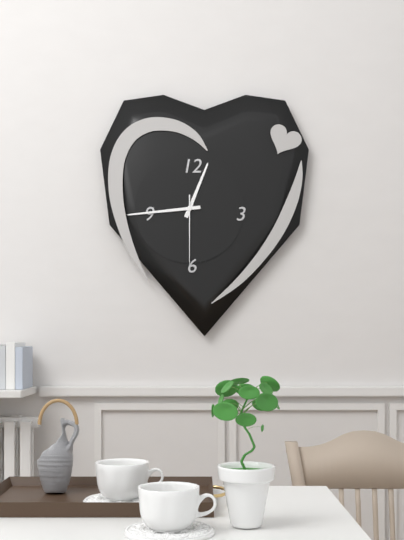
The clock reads 12,44,30
